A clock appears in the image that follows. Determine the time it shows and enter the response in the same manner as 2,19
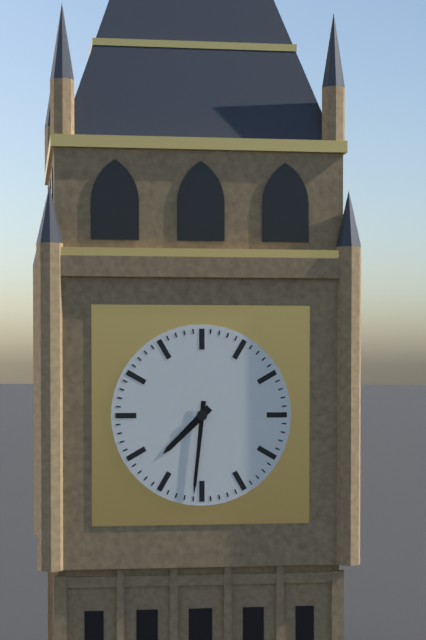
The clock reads 7,31
